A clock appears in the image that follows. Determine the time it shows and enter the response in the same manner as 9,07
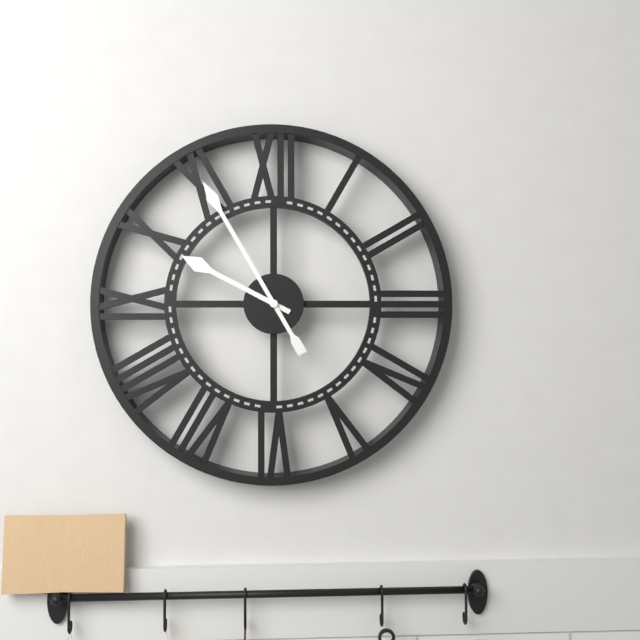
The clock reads 9,55
